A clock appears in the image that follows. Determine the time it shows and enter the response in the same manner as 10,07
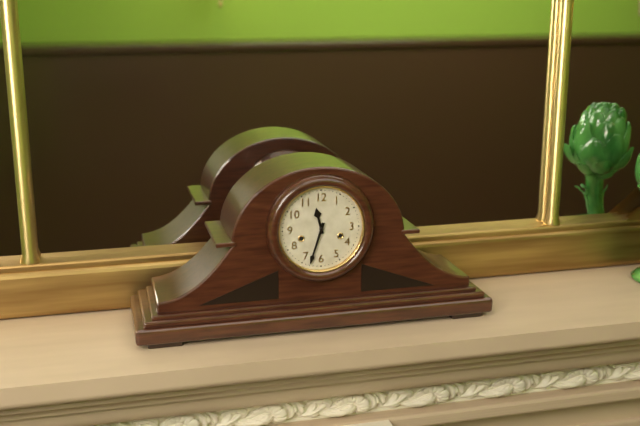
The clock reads 11,33
